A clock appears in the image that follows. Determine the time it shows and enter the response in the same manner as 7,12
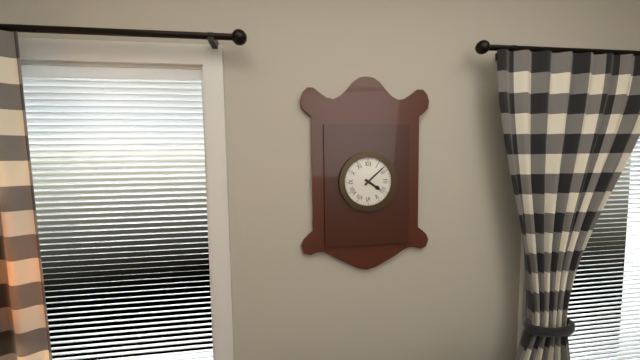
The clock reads 4,08
